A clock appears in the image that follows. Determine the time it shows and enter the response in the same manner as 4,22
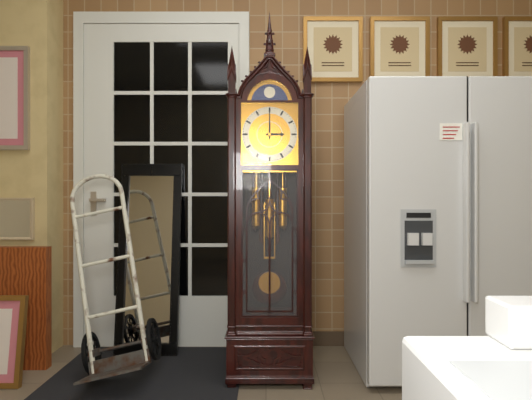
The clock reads 3,00
